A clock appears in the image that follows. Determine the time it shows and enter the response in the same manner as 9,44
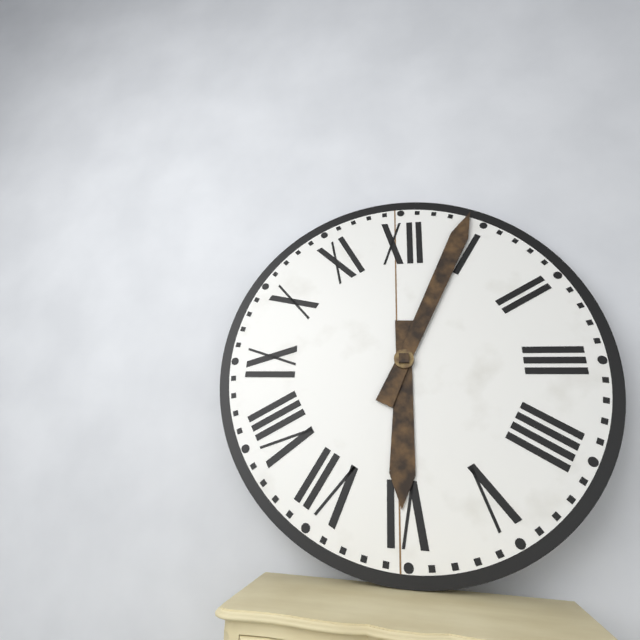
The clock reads 6,04
